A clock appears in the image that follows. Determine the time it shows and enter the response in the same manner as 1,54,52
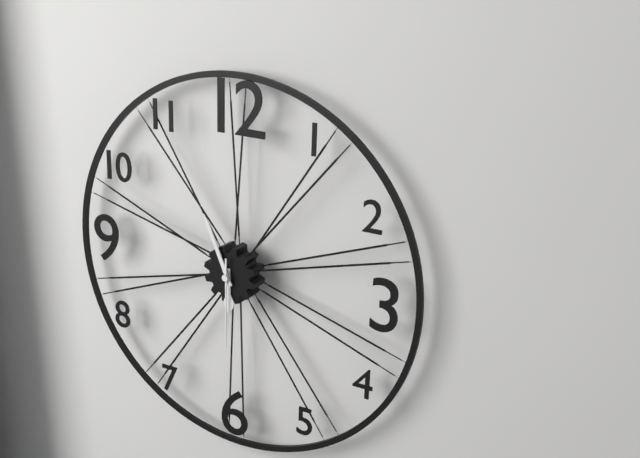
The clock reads 5,56,30
